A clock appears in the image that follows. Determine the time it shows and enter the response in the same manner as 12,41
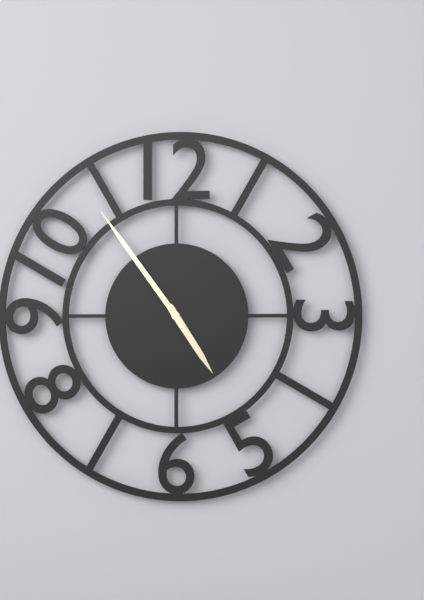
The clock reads 4,54
